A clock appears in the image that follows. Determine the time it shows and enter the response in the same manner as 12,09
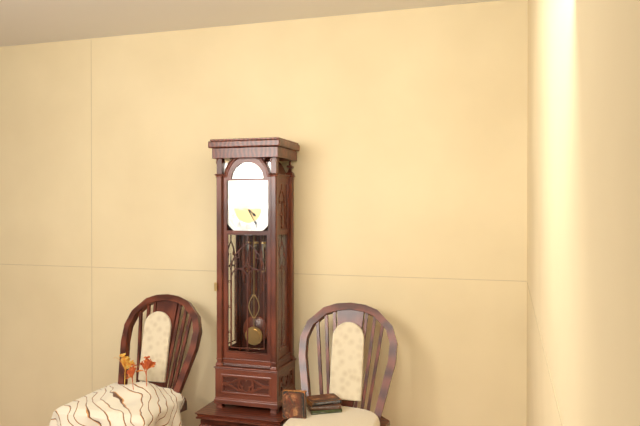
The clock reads 4,25
